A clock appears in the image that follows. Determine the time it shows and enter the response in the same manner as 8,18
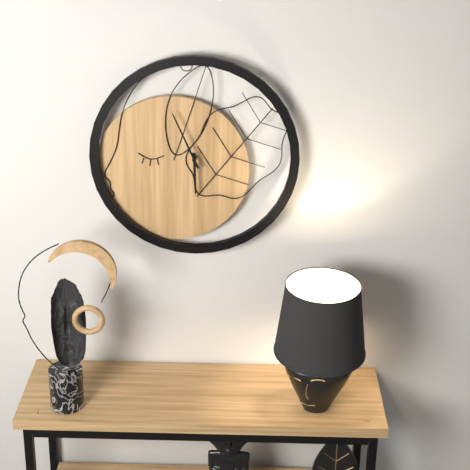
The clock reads 5,56
